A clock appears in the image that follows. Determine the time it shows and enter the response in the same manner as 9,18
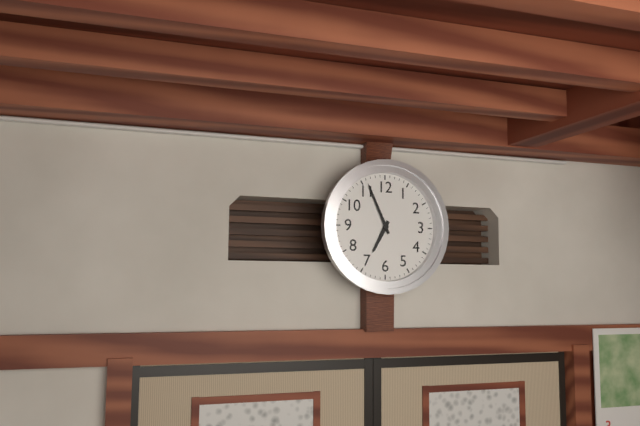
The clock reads 6,56
